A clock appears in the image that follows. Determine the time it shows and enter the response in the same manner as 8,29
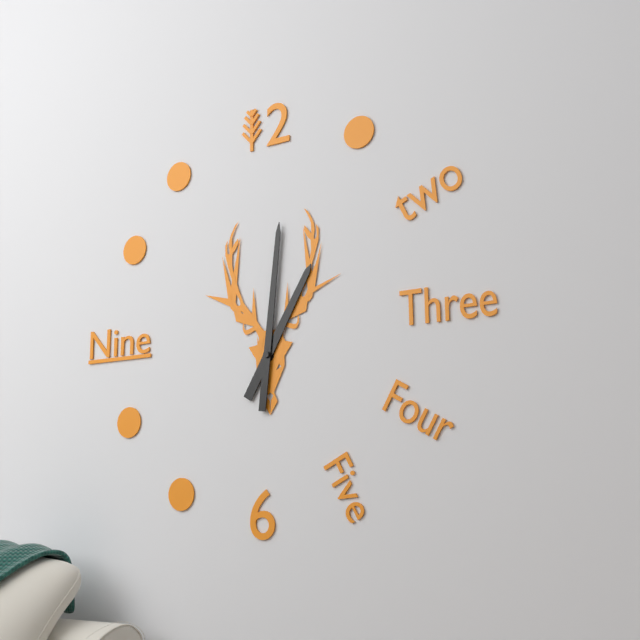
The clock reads 1,01
